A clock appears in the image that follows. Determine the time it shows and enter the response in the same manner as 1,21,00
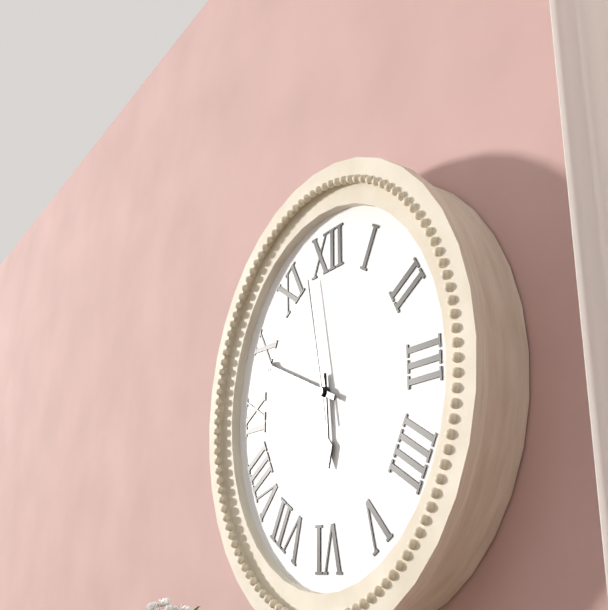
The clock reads 5,49,58
